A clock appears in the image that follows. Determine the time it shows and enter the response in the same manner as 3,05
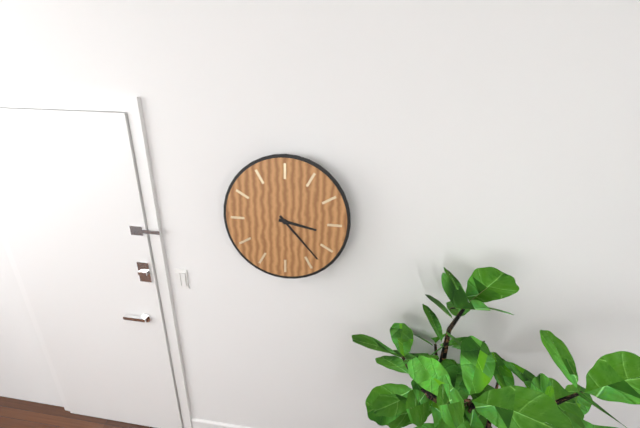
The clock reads 3,23
